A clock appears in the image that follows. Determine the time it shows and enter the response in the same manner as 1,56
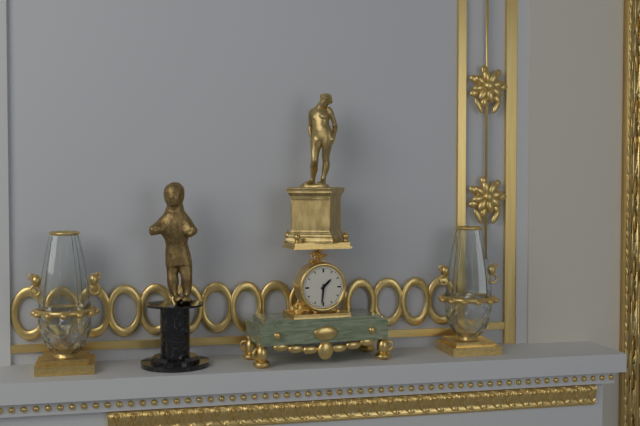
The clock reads 1,31
